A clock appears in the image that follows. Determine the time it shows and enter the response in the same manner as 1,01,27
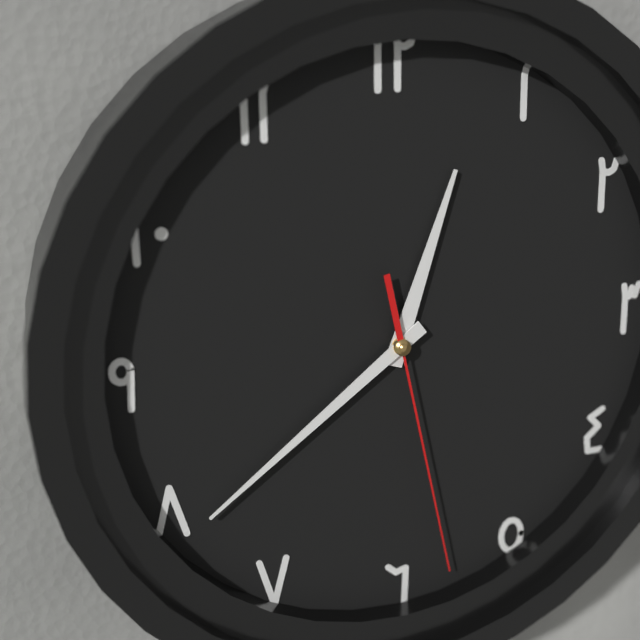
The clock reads 12,39,28
